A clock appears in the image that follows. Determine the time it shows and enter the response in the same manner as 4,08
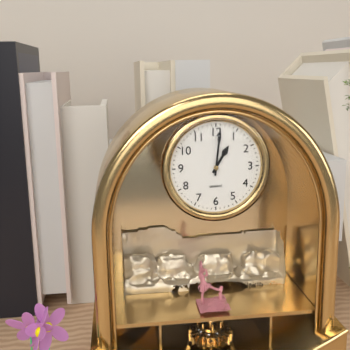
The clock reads 1,01
